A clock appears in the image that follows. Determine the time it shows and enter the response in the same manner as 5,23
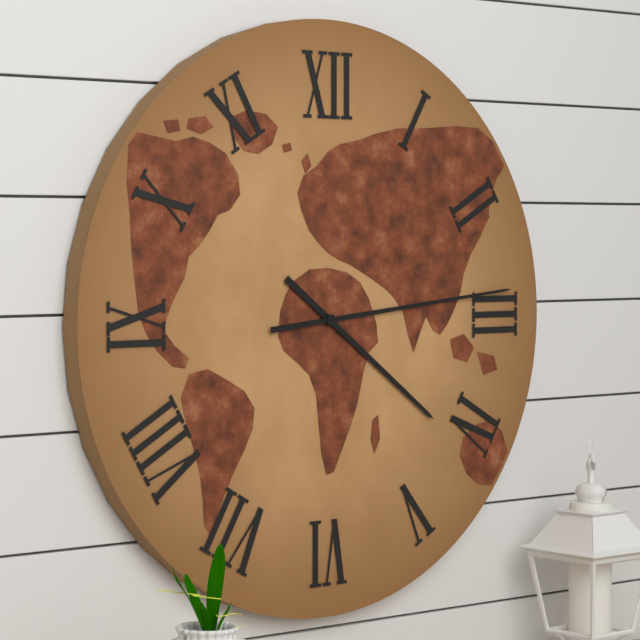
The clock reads 4,14
